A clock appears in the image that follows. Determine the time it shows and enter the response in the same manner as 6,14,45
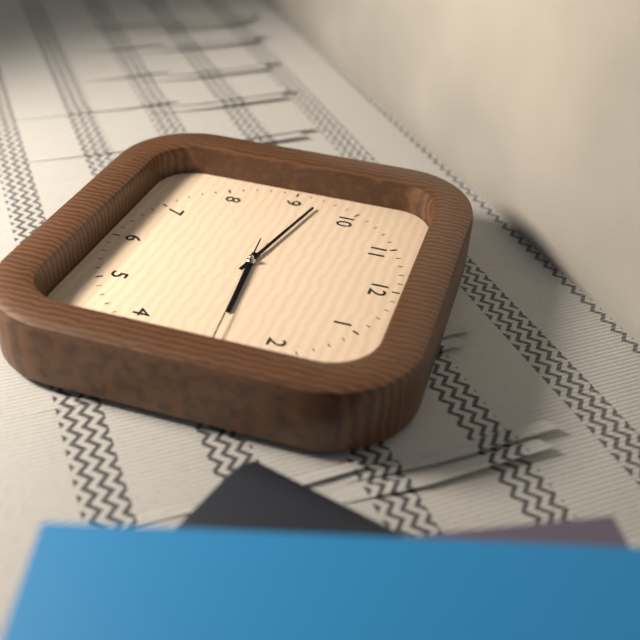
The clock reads 2,47,14
